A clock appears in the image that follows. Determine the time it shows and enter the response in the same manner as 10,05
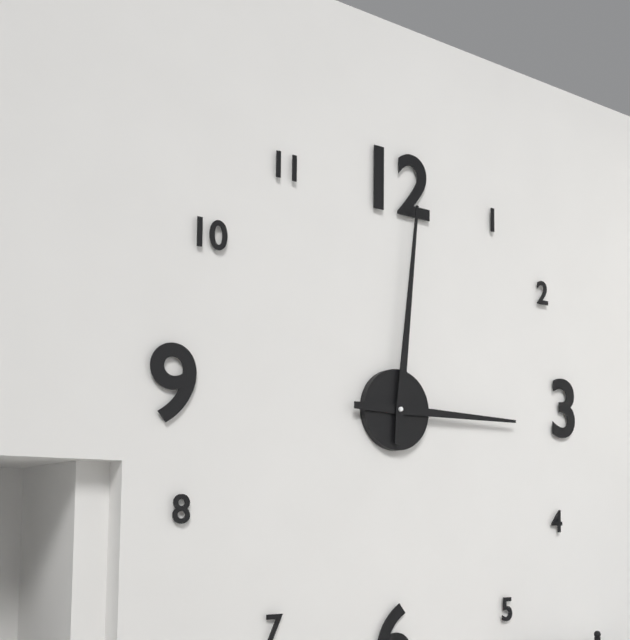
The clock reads 3,01
